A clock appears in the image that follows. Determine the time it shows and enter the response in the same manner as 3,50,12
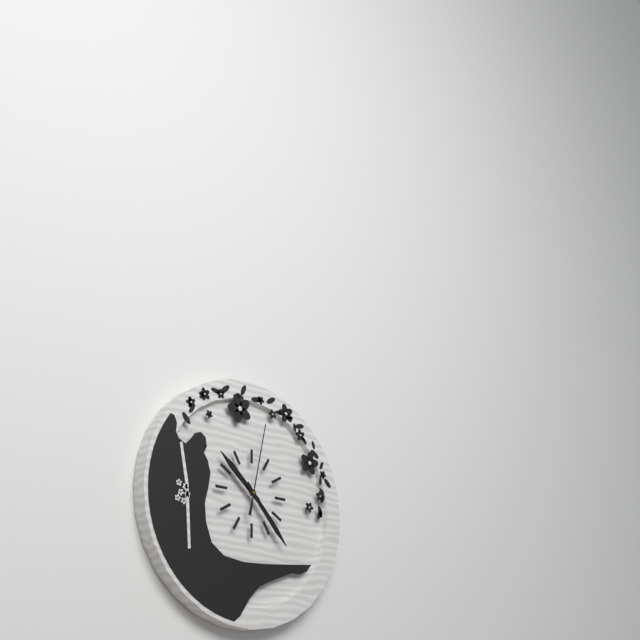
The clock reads 10,23,02
